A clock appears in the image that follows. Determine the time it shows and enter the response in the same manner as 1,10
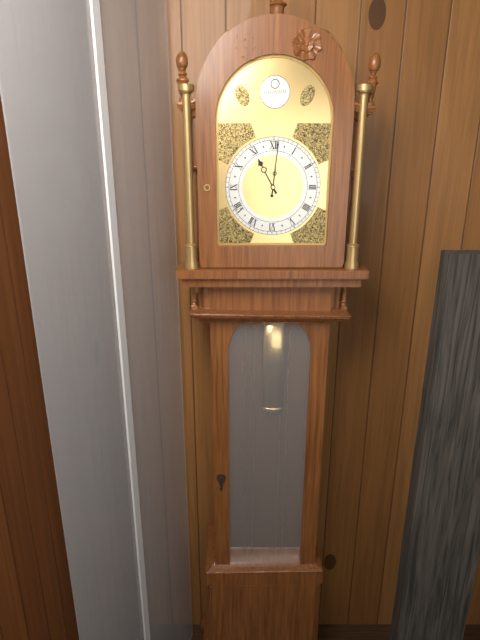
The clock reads 11,01
